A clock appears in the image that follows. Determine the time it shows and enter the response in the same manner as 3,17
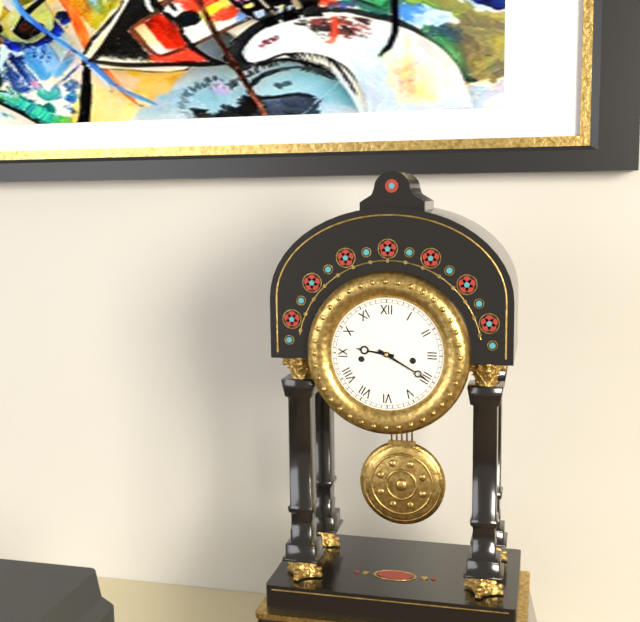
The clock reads 9,20
